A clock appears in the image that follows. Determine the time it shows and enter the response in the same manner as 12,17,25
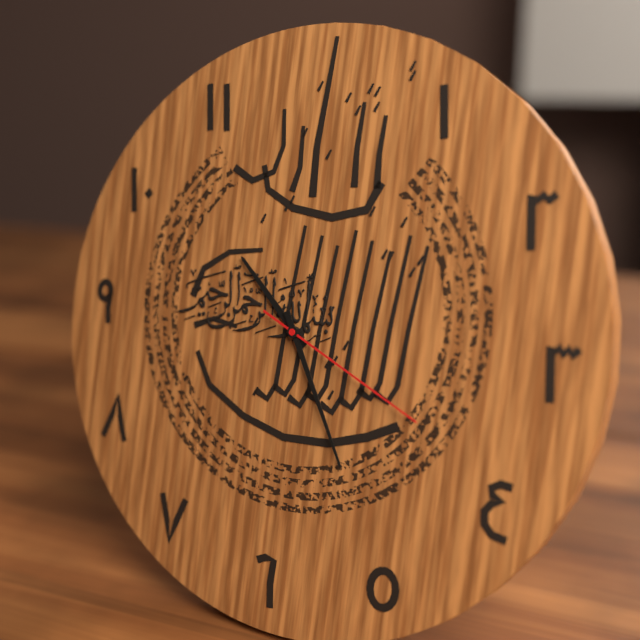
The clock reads 10,25,19
